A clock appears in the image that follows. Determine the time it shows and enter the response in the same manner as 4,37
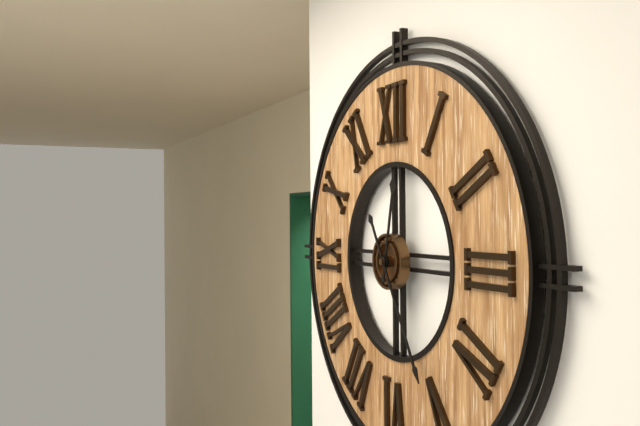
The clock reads 12,25
